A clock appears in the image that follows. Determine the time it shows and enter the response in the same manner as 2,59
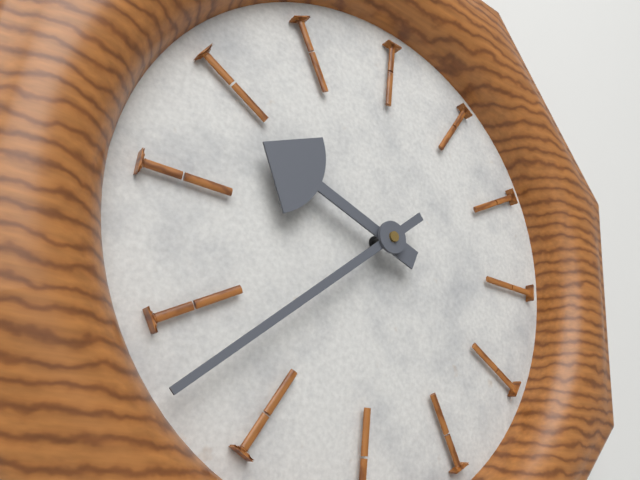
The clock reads 9,38
